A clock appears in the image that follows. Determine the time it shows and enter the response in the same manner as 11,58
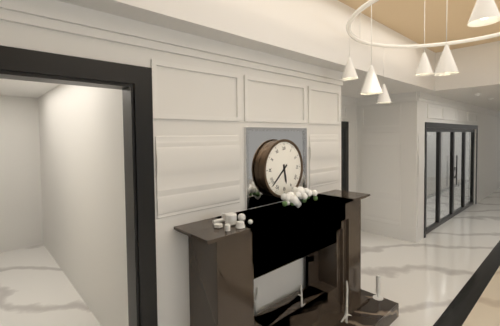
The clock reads 5,38
